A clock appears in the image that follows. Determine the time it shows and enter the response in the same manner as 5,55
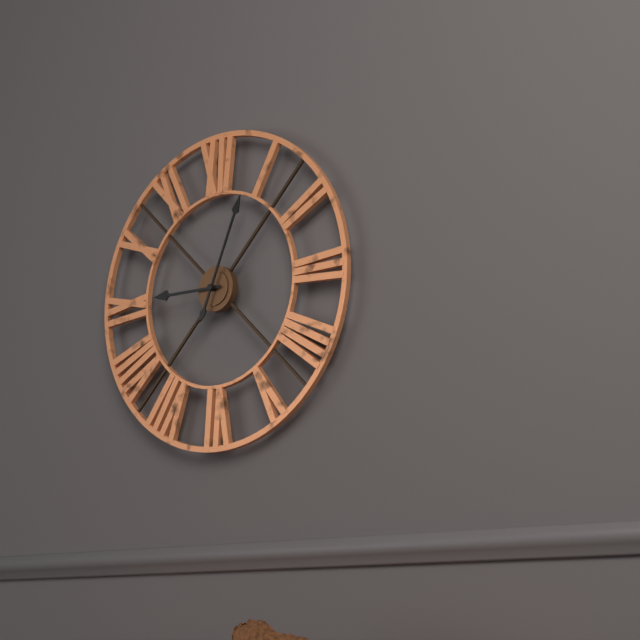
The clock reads 9,04
